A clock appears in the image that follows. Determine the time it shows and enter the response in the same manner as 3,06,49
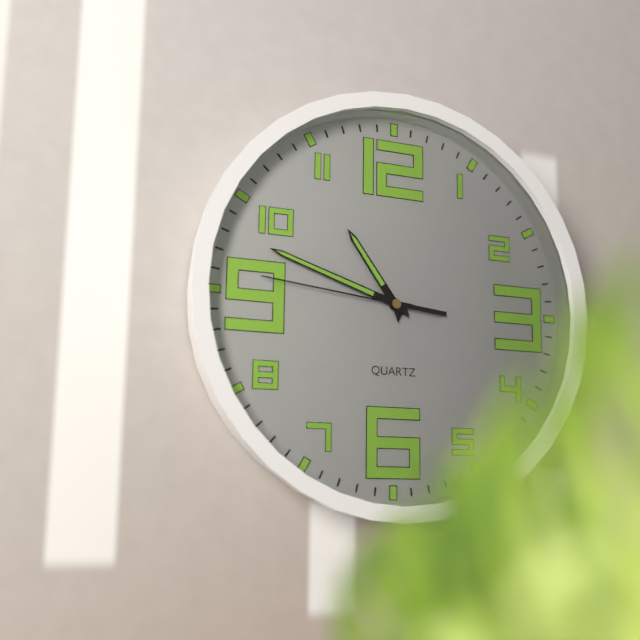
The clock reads 10,48,46
